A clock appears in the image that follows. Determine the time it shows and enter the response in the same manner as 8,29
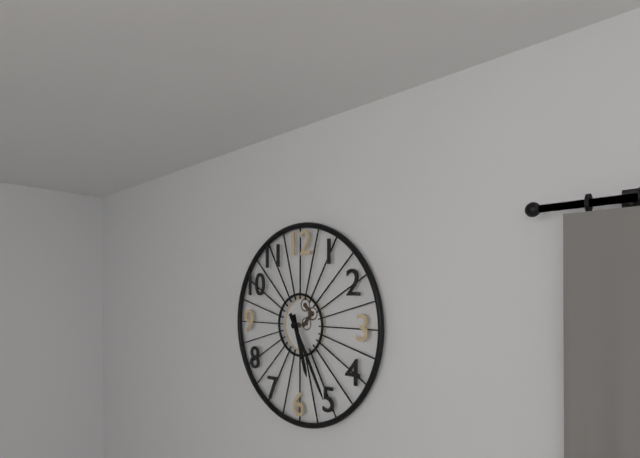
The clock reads 5,25
